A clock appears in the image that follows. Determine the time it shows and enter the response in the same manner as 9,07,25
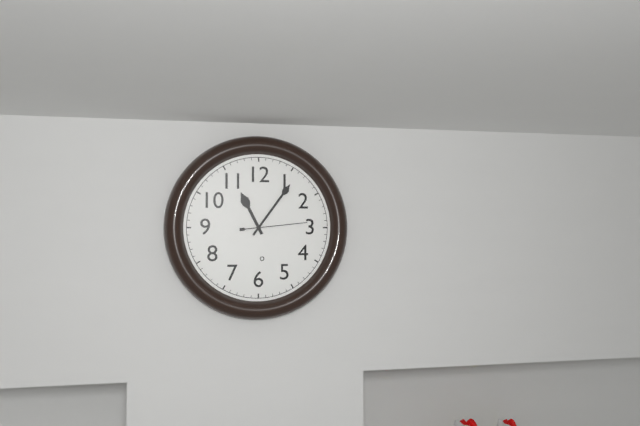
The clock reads 11,06,14
